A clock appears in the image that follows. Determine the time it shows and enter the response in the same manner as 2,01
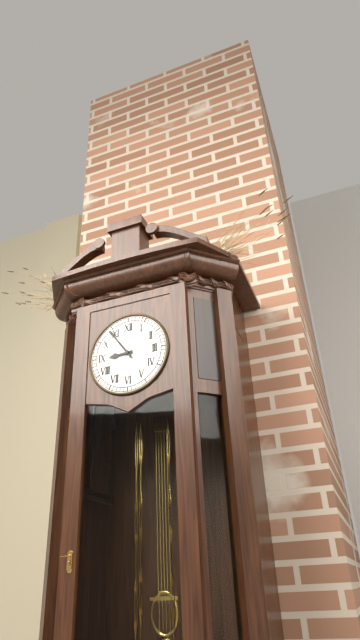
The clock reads 8,54
